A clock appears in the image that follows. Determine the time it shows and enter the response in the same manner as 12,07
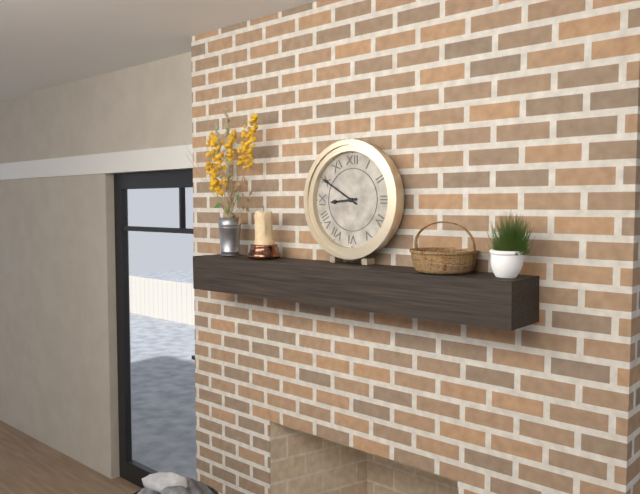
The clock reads 8,50
